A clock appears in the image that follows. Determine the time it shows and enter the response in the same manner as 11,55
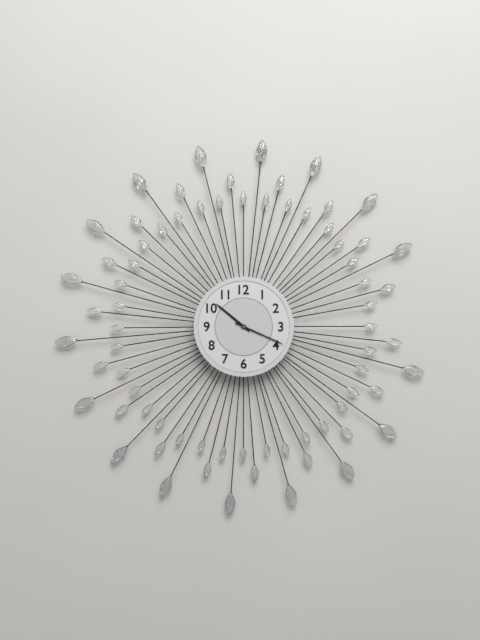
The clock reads 10,19
